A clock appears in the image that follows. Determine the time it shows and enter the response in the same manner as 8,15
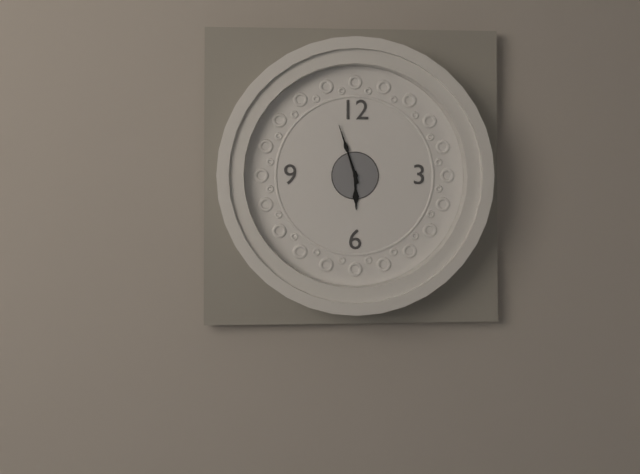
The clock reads 5,57
